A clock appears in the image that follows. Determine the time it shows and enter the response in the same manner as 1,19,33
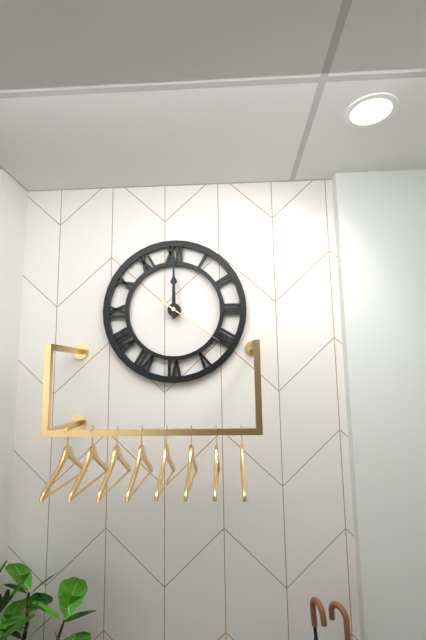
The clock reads 12,00,21
